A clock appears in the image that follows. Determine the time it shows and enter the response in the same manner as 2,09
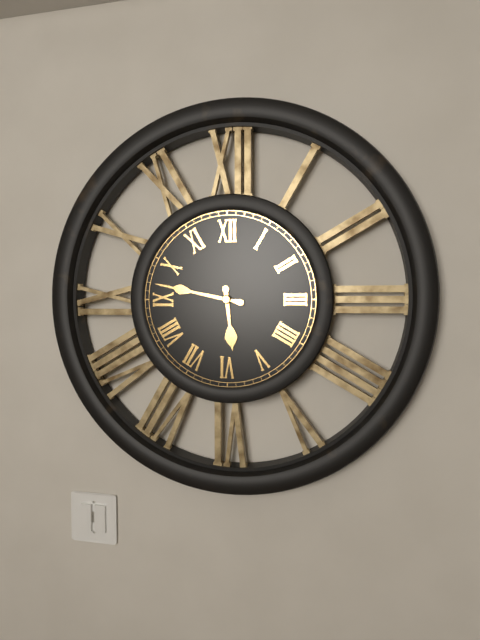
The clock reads 5,47
